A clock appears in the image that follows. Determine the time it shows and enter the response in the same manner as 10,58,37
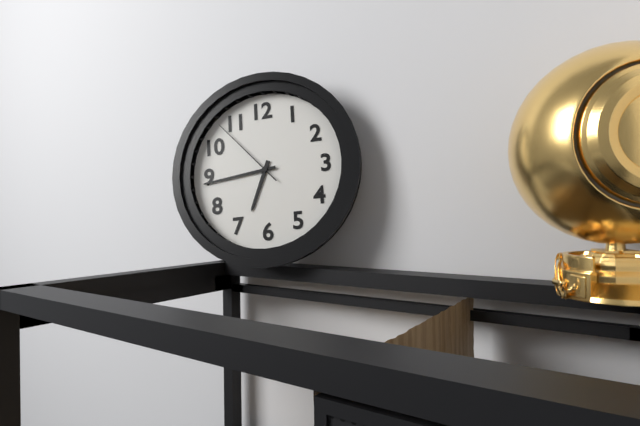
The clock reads 6,44,53
